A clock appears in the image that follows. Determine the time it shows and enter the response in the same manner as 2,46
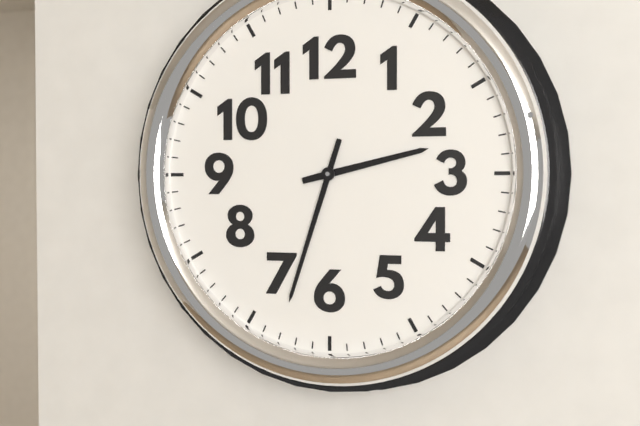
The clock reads 2,33
